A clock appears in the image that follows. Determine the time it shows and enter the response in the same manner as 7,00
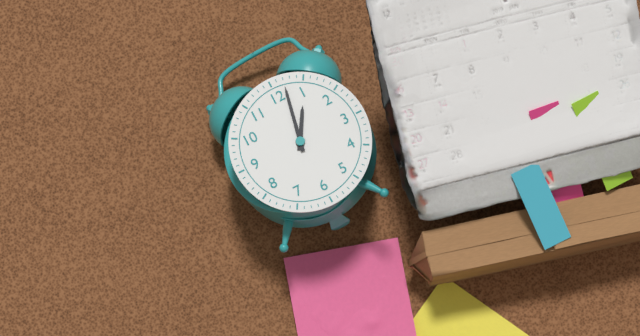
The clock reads 1,02
